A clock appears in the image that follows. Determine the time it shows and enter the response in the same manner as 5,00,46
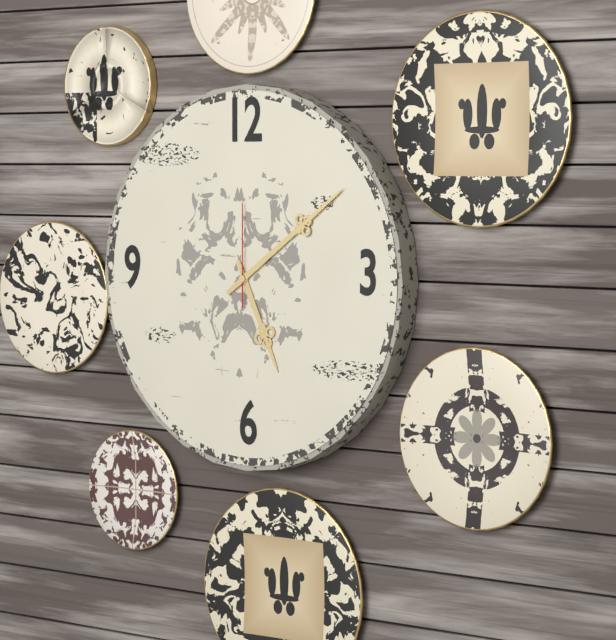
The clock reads 5,09,00
